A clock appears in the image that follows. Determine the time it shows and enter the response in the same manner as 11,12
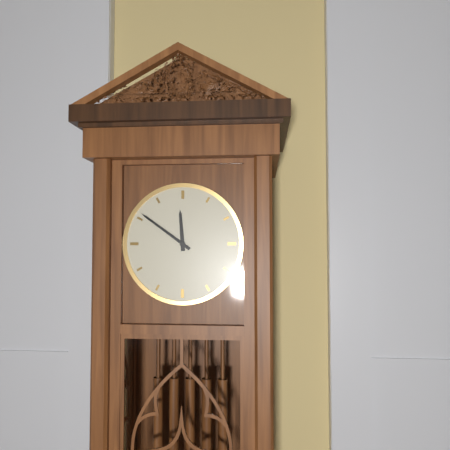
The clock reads 11,51
